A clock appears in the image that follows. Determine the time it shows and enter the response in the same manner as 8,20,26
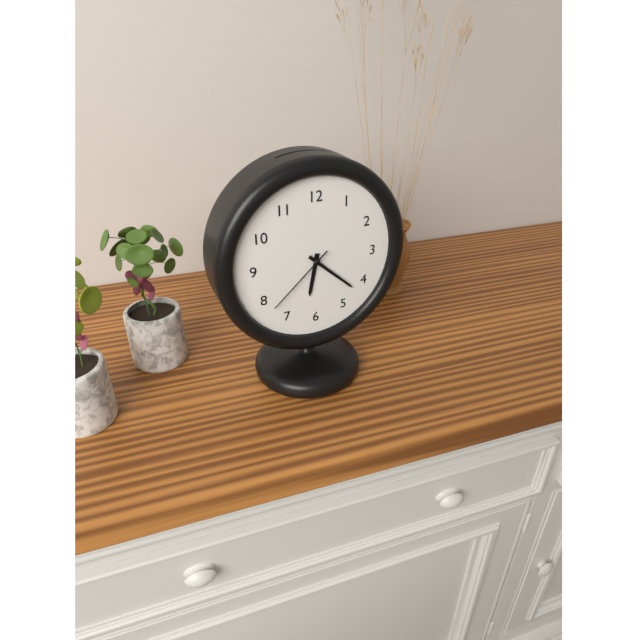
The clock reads 6,22,38
